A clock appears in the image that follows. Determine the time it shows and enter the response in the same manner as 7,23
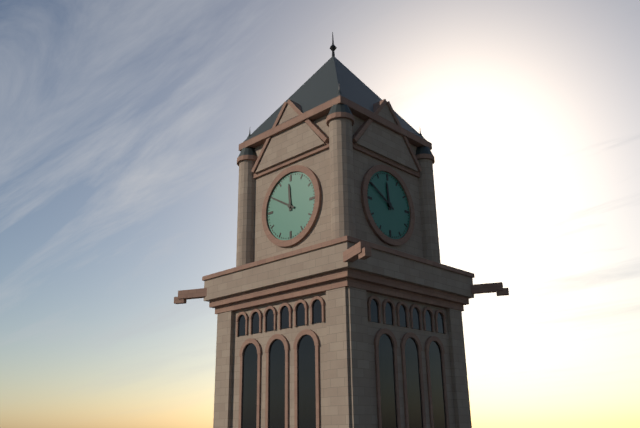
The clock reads 11,50
